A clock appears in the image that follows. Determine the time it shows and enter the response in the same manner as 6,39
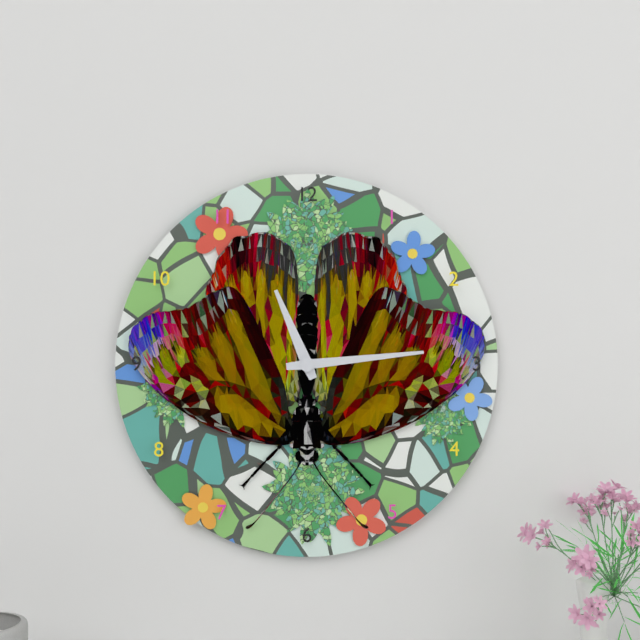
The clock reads 11,14
